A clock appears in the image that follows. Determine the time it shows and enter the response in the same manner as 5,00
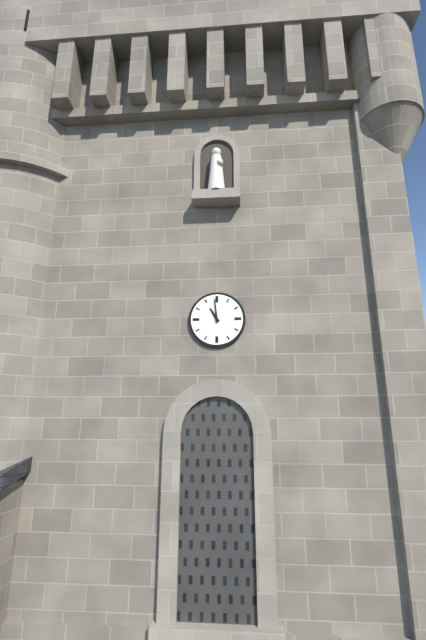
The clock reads 10,59
